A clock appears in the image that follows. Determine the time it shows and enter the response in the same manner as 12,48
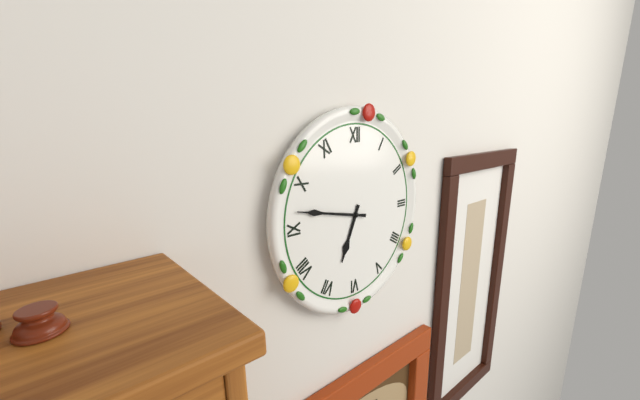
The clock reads 6,47
